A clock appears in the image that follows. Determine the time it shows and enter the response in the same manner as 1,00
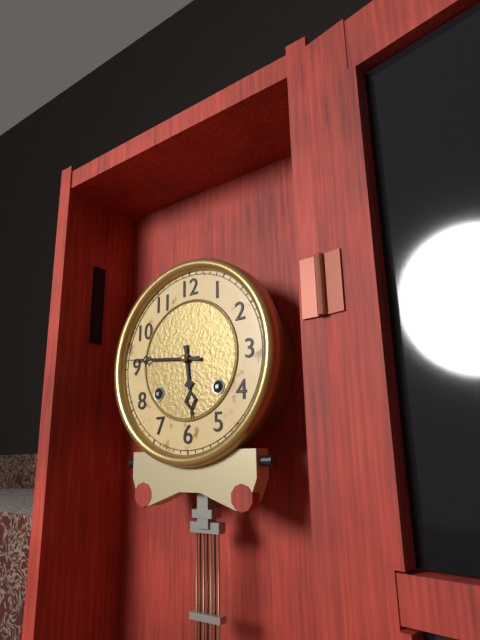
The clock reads 5,46
